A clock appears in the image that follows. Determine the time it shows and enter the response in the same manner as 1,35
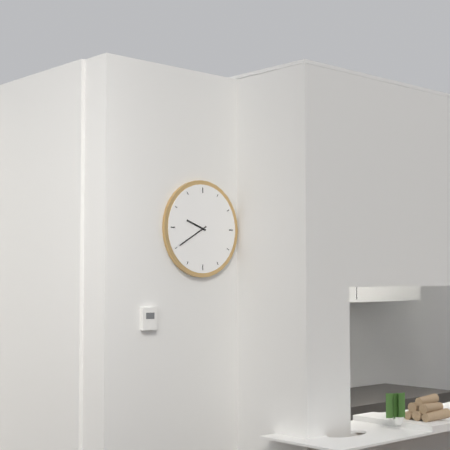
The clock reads 9,40
